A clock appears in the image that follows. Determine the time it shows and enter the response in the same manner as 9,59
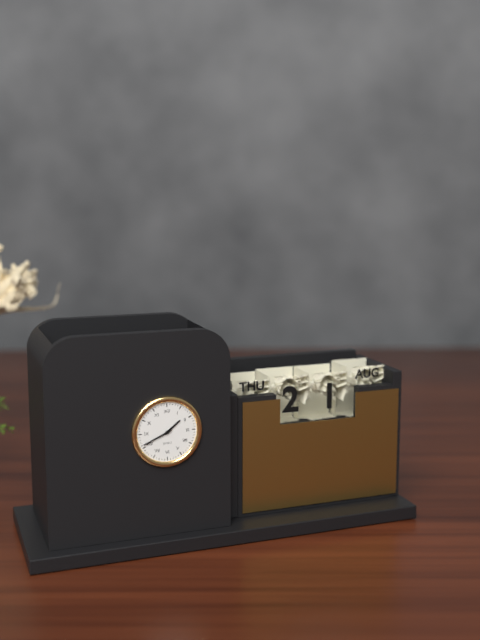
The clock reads 1,41
